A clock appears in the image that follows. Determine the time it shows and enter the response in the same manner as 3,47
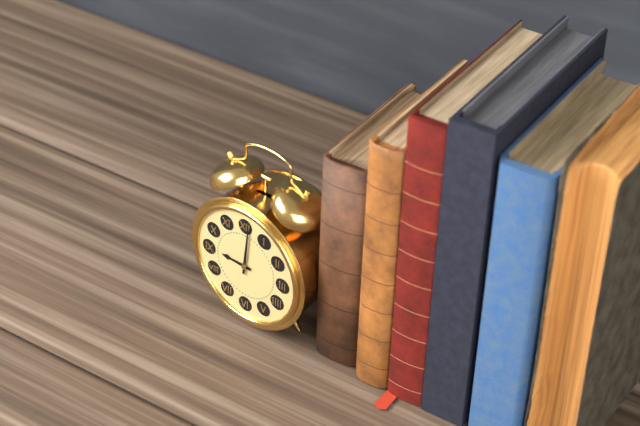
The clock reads 9,01
